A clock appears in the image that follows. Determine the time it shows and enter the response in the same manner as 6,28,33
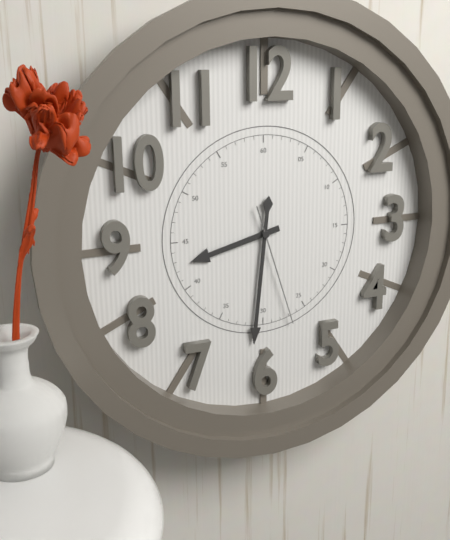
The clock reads 8,31,27
